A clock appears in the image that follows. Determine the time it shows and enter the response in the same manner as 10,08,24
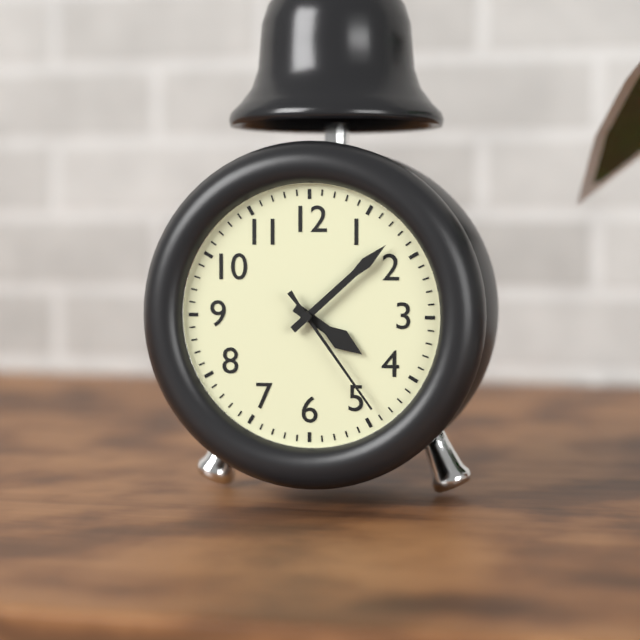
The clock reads 4,08,24
